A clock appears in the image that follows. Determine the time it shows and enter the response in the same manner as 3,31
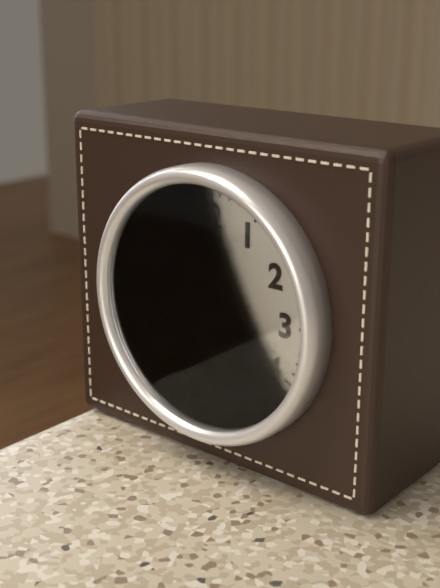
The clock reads 7,28
